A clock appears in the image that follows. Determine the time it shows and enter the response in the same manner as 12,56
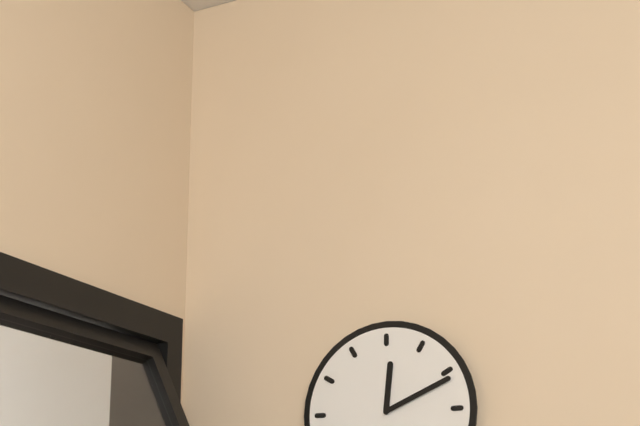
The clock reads 12,11
